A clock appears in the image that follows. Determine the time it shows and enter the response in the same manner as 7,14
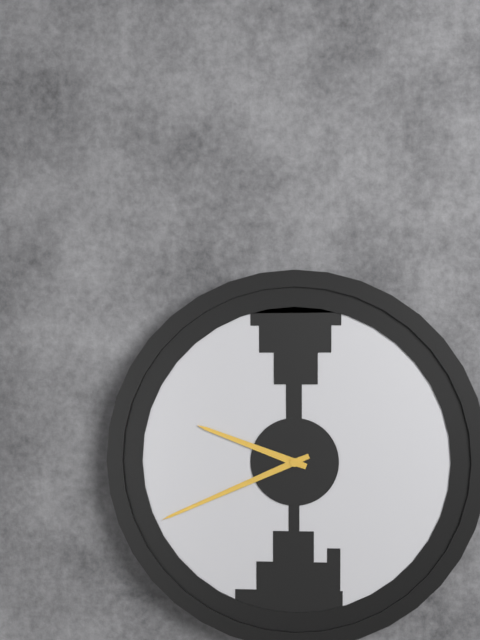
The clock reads 9,41
